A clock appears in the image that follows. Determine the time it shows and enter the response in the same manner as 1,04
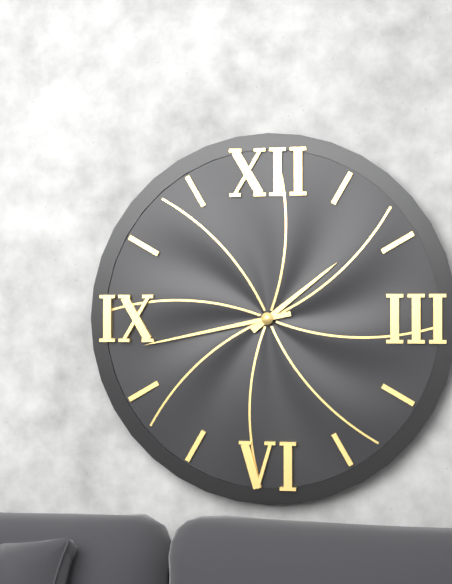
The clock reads 1,43
